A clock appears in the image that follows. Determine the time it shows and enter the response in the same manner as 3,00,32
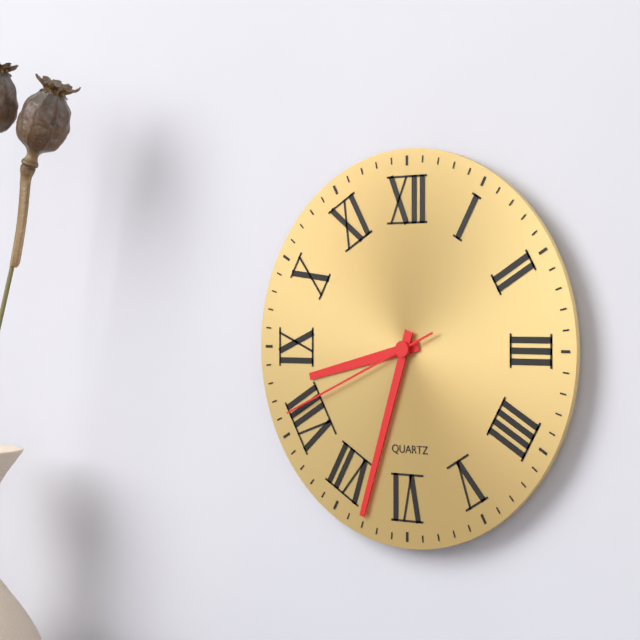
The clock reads 8,33,41
